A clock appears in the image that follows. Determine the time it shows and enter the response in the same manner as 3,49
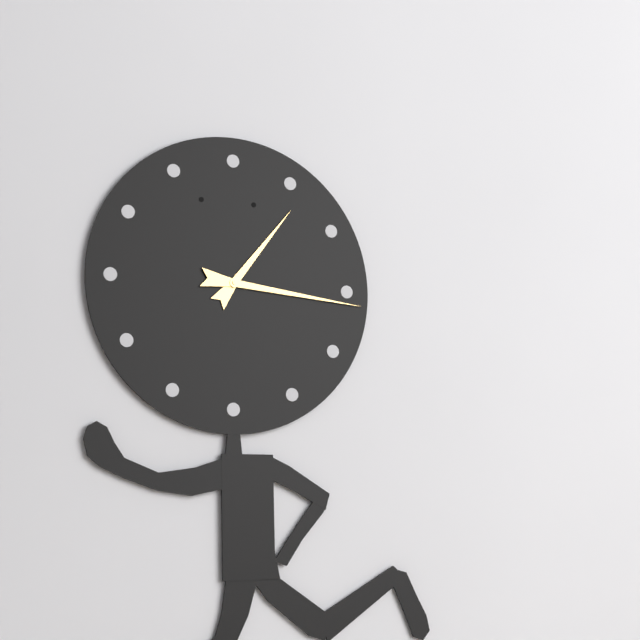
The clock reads 1,16
